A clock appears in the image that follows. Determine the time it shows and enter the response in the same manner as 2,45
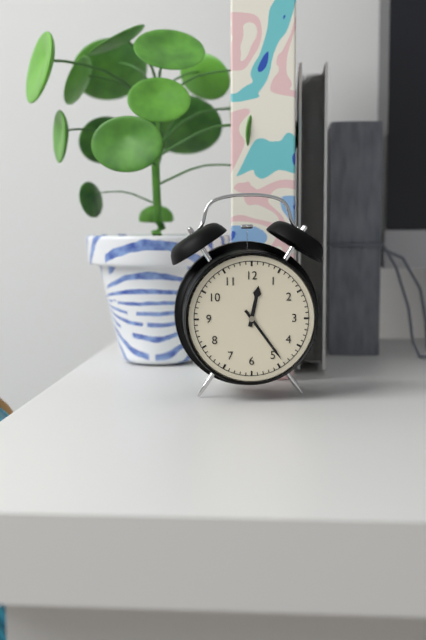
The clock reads 12,24
